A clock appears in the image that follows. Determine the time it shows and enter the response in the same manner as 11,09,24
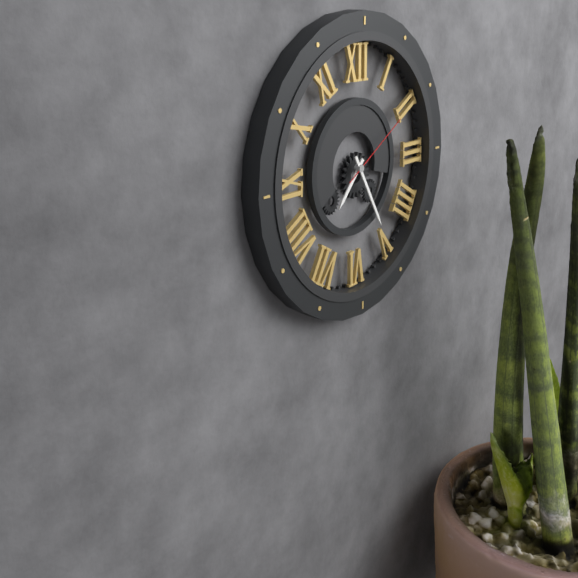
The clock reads 7,25,10
